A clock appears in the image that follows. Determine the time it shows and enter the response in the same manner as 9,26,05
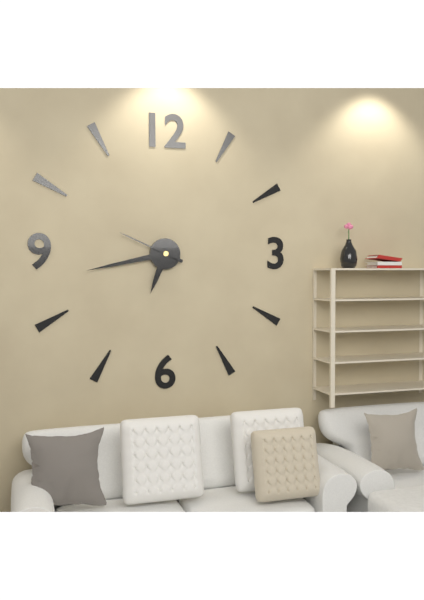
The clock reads 6,43,49
